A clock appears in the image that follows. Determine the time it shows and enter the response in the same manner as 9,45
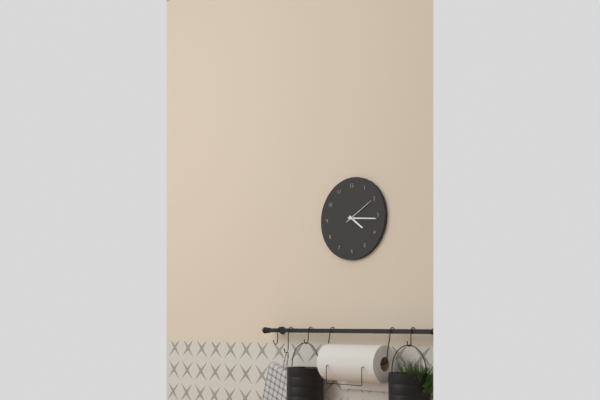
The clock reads 4,16
